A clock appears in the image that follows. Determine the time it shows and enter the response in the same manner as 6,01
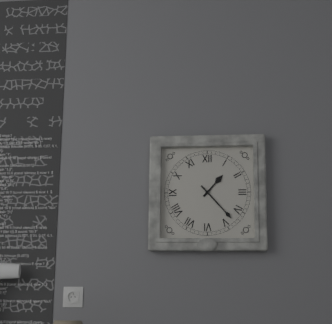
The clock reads 1,23
